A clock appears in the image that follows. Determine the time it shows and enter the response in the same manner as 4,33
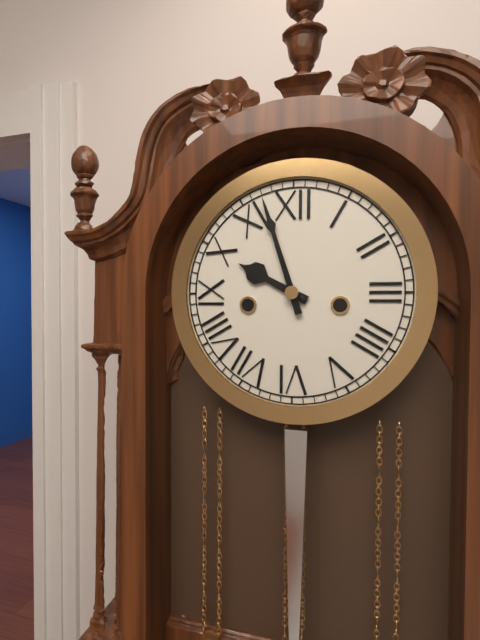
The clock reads 9,57
